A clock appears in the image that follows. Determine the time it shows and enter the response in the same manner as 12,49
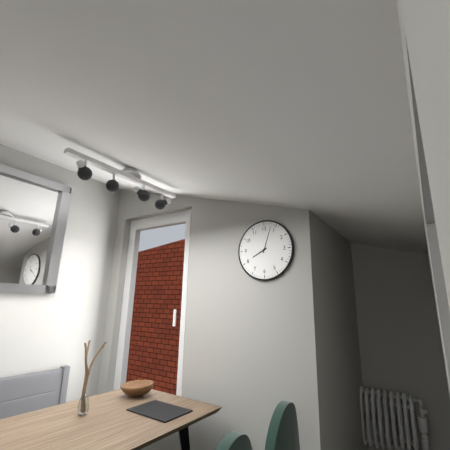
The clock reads 8,03
